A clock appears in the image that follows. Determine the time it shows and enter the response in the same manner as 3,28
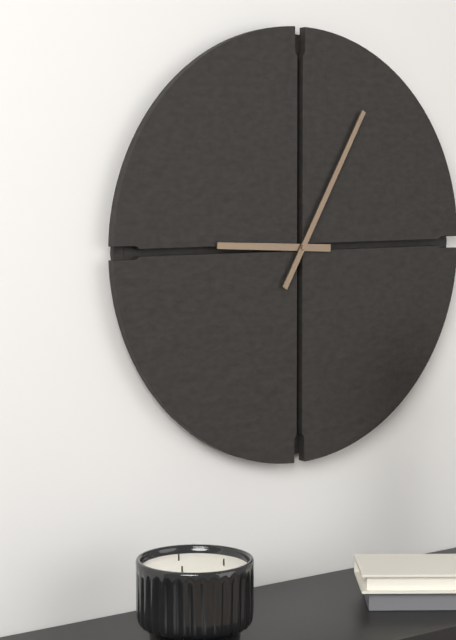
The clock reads 9,05
